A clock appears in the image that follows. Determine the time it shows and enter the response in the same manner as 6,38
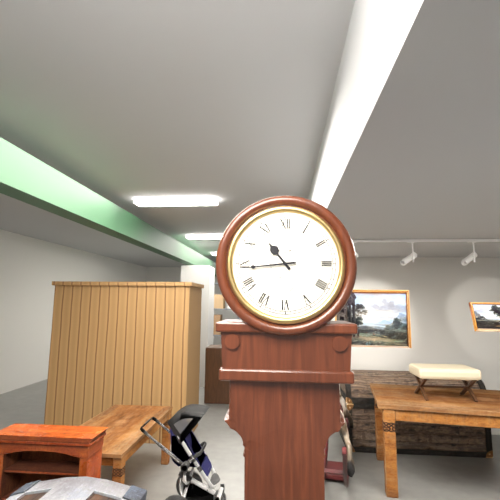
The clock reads 10,44
